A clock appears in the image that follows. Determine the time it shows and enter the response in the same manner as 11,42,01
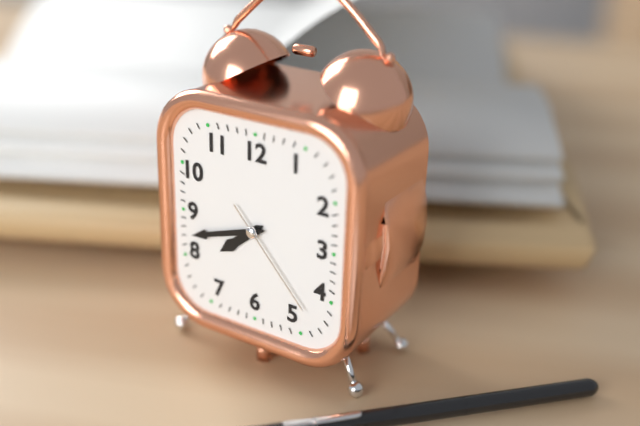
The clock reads 7,42,23
